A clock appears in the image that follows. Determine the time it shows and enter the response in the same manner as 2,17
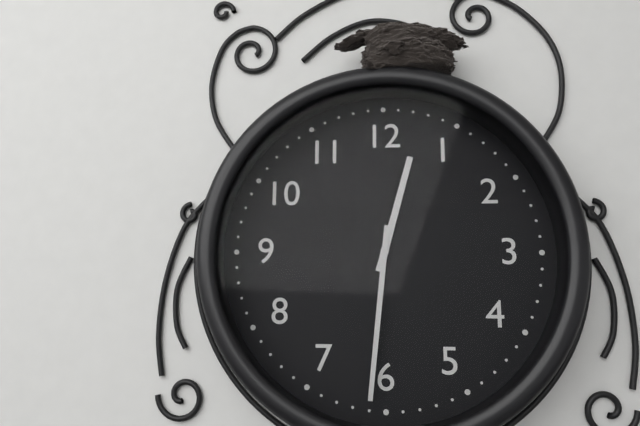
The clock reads 12,31
